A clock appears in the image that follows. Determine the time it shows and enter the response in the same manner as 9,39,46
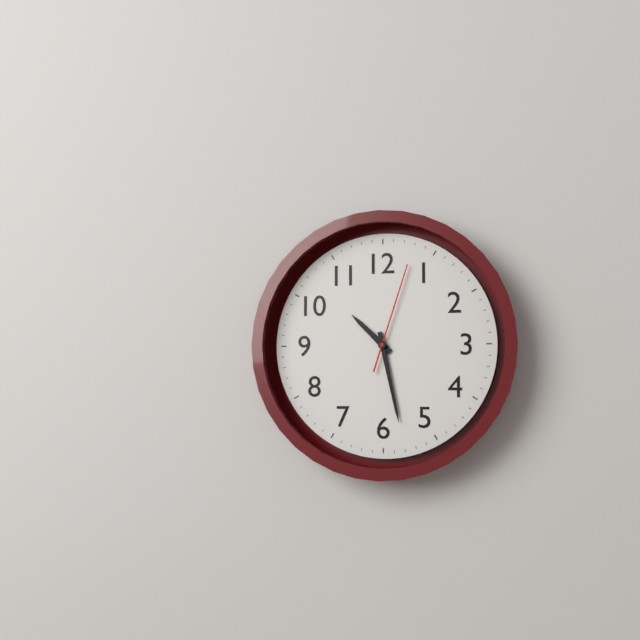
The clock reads 10,28,03
